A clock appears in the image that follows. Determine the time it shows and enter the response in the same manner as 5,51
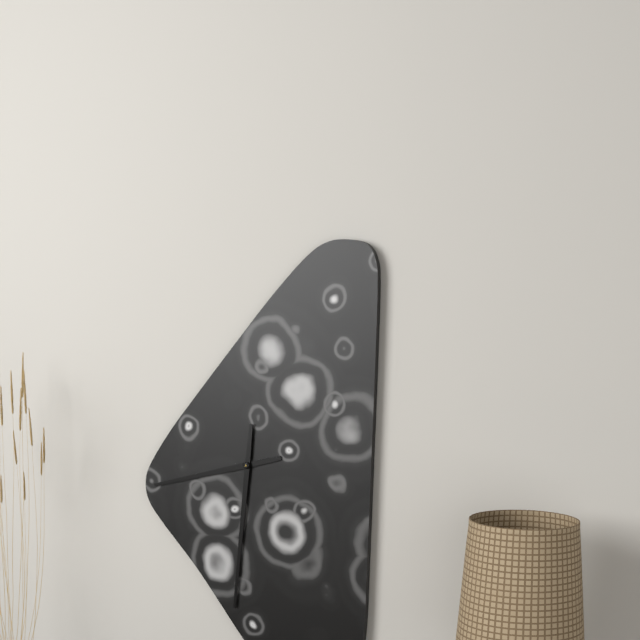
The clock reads 8,31
